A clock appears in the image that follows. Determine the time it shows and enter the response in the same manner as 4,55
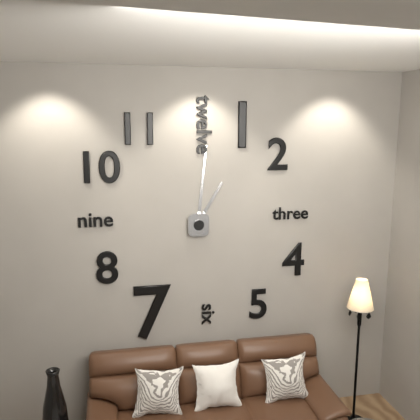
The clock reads 1,01
